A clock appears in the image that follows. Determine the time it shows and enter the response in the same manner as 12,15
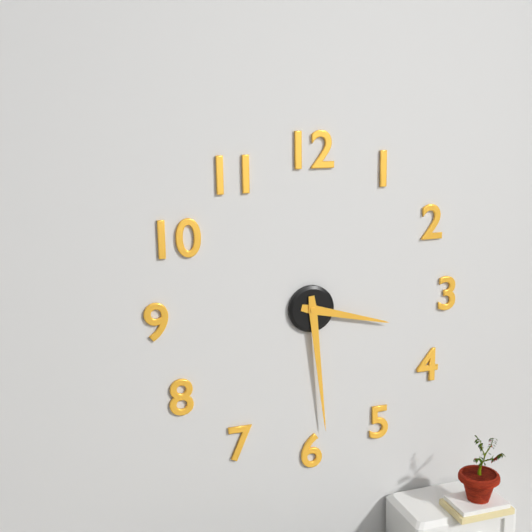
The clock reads 3,29
